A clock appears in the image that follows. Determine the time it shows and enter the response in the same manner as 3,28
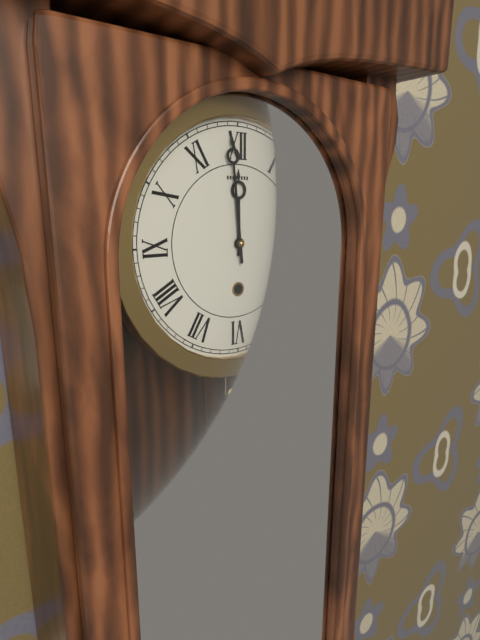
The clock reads 11,59
